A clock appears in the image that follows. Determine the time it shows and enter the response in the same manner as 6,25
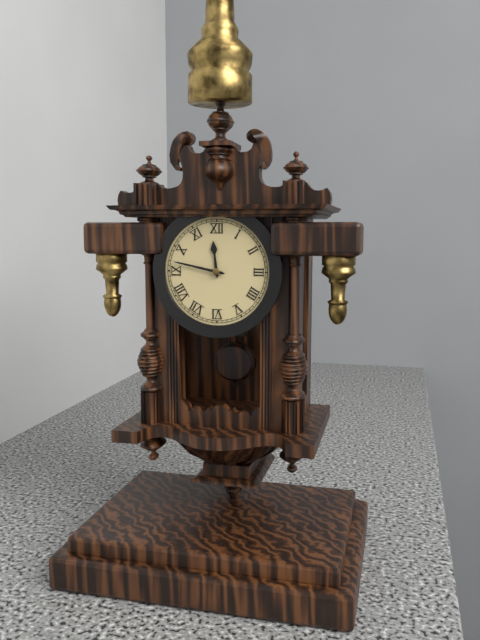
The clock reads 11,47
